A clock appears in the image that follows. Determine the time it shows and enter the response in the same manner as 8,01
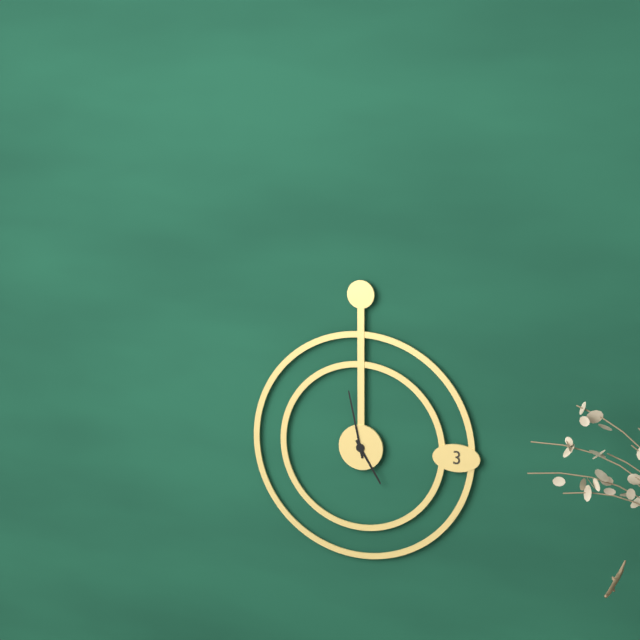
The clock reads 4,58
